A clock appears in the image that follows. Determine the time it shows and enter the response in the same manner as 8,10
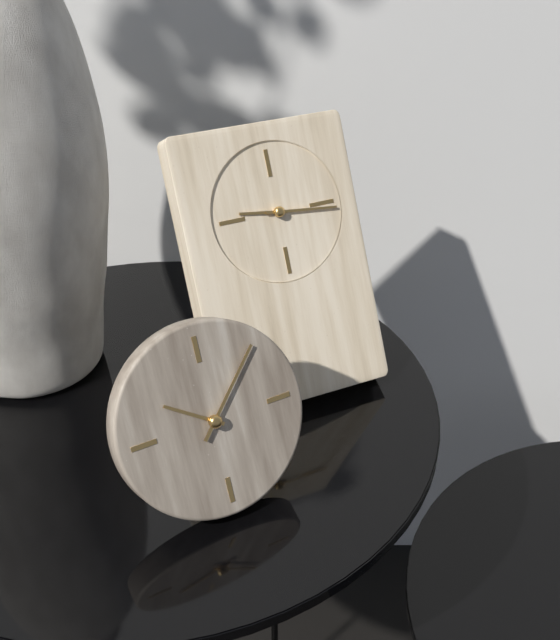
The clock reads 9,16
